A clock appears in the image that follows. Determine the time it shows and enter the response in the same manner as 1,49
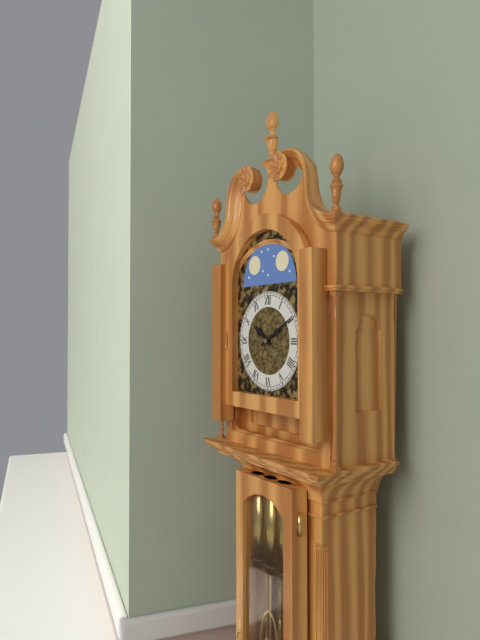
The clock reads 10,10
